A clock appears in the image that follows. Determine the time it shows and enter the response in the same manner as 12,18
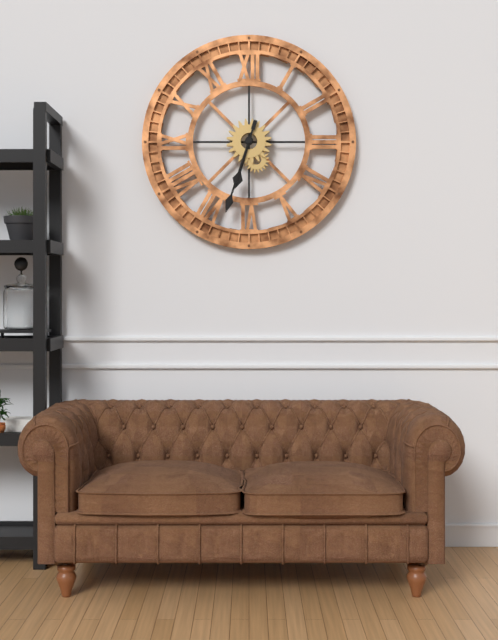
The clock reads 6,33
